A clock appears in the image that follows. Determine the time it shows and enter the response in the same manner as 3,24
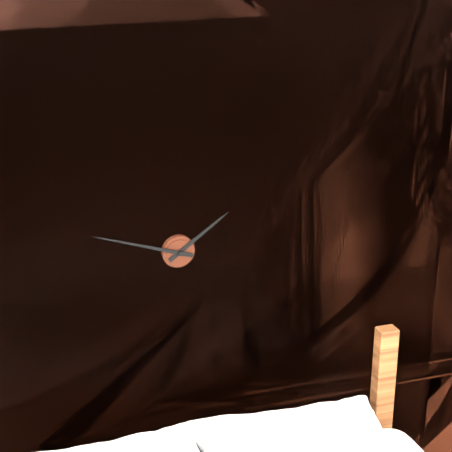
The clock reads 1,48
